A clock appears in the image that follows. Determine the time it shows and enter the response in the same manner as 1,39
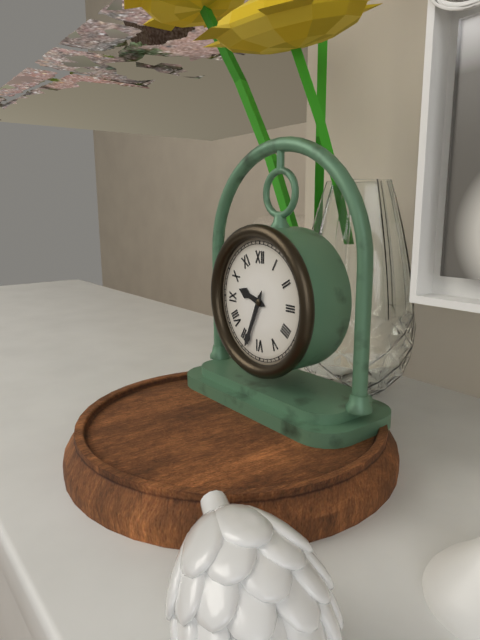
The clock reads 9,34
